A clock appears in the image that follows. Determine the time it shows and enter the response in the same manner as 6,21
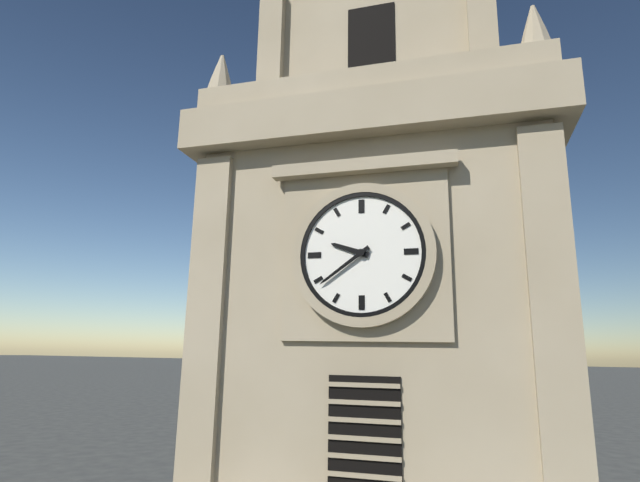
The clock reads 9,39
